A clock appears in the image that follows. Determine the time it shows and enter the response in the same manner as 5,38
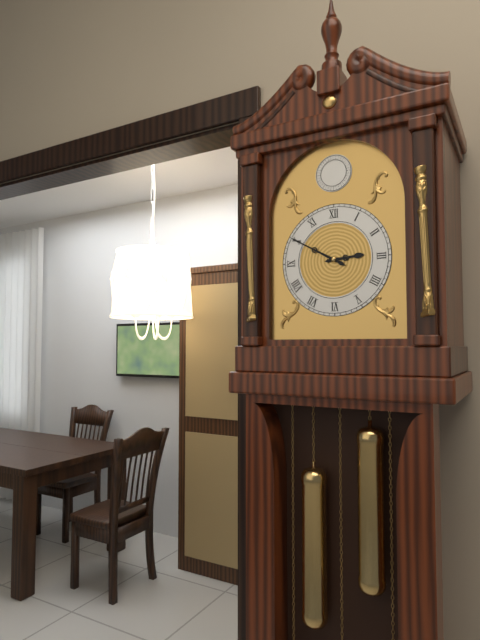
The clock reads 2,50
